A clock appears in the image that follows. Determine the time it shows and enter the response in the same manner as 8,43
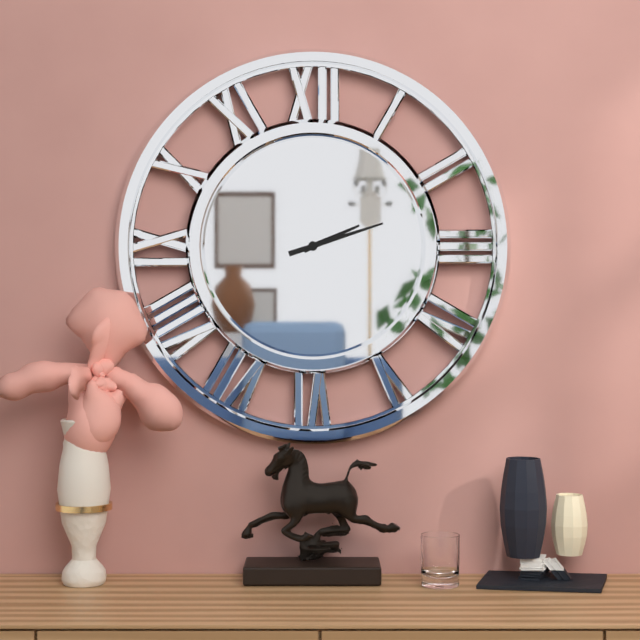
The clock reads 2,12
